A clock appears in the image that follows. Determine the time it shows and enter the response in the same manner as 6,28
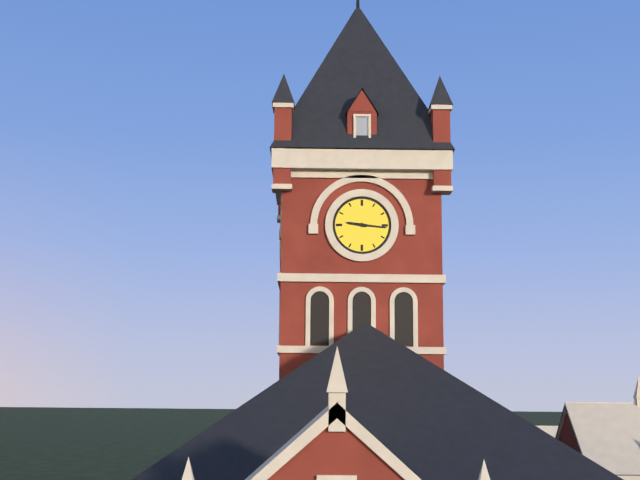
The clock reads 9,16
